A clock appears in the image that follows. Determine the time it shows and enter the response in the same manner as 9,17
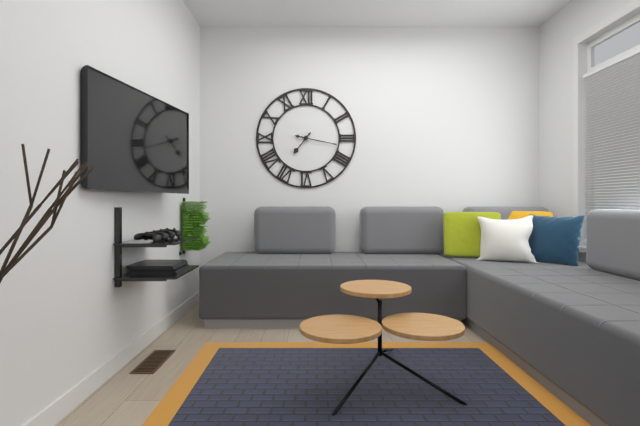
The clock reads 7,17
